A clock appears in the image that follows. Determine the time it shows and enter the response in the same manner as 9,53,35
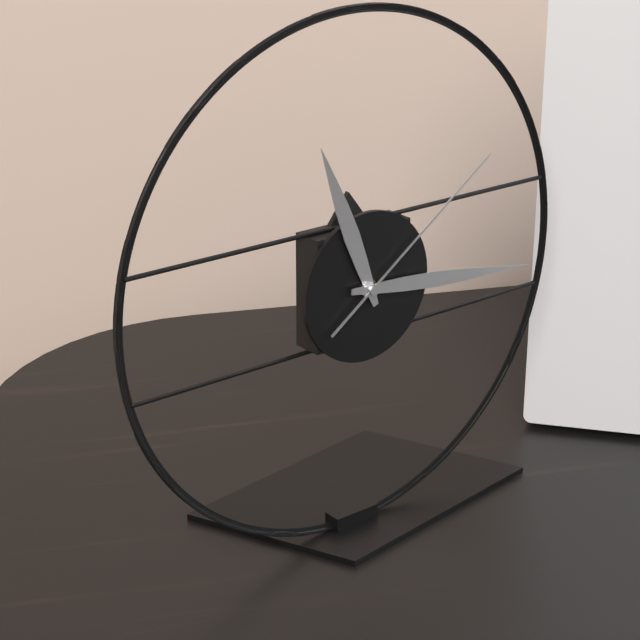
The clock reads 11,16,09
